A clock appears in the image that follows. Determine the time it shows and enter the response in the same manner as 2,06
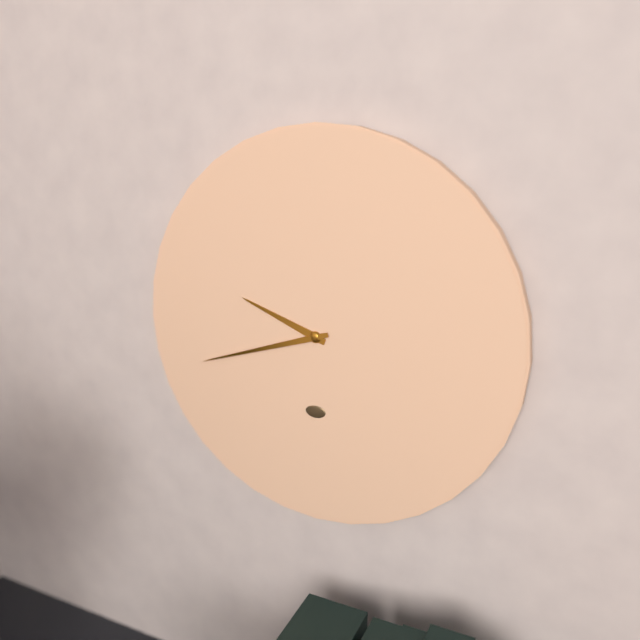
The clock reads 9,42
